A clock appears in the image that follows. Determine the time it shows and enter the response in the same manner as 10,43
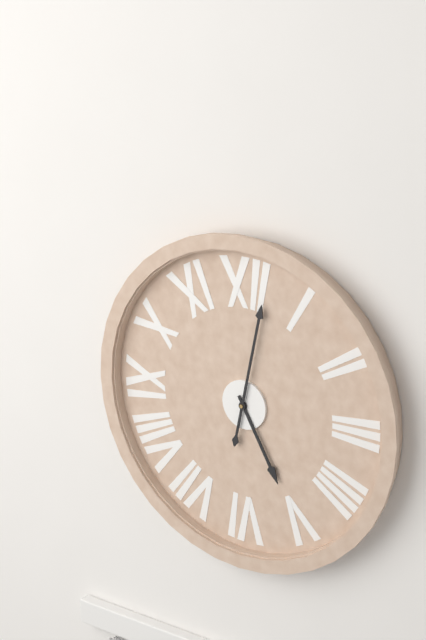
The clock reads 5,02
